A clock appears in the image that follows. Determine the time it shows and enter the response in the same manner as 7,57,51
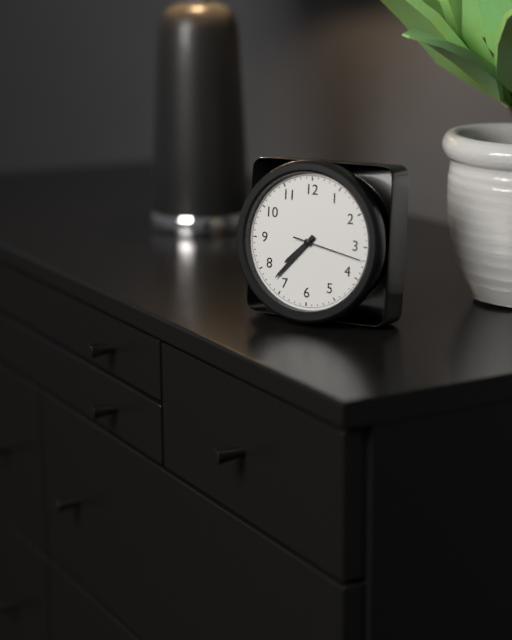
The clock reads 7,37,17
